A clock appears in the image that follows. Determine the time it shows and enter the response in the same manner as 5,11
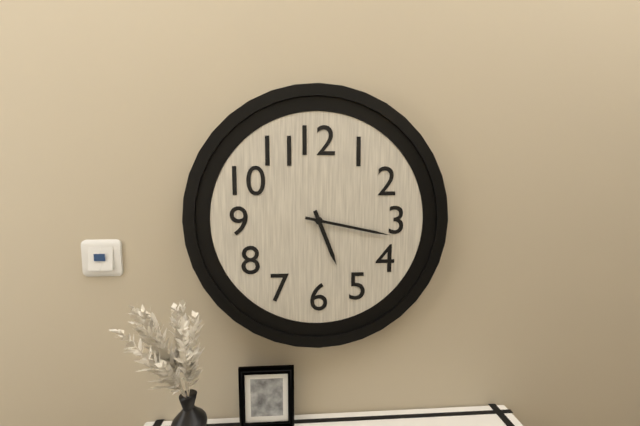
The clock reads 5,17
